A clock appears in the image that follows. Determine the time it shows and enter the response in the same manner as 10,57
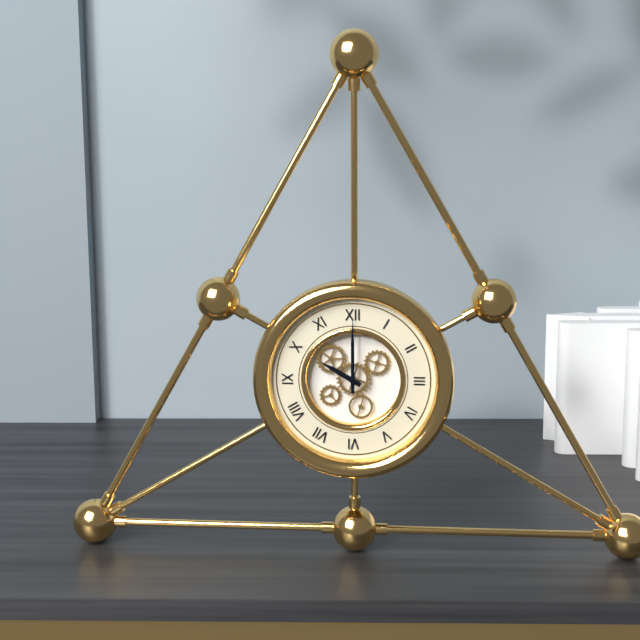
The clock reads 10,00
